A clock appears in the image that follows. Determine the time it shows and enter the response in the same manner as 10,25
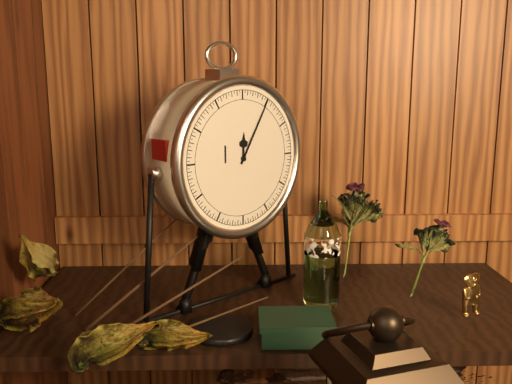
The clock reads 12,05
